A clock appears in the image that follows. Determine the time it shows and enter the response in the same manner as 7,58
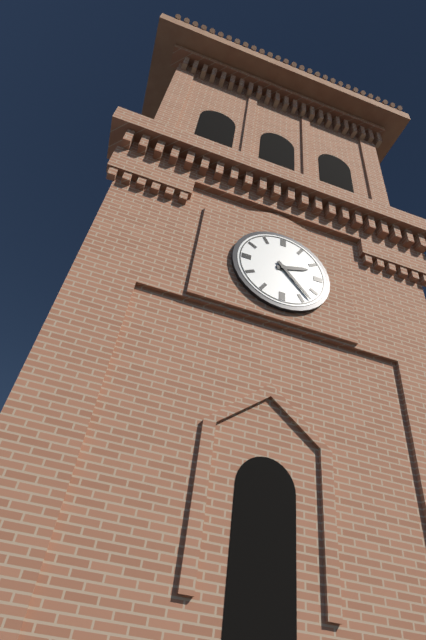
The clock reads 2,23
